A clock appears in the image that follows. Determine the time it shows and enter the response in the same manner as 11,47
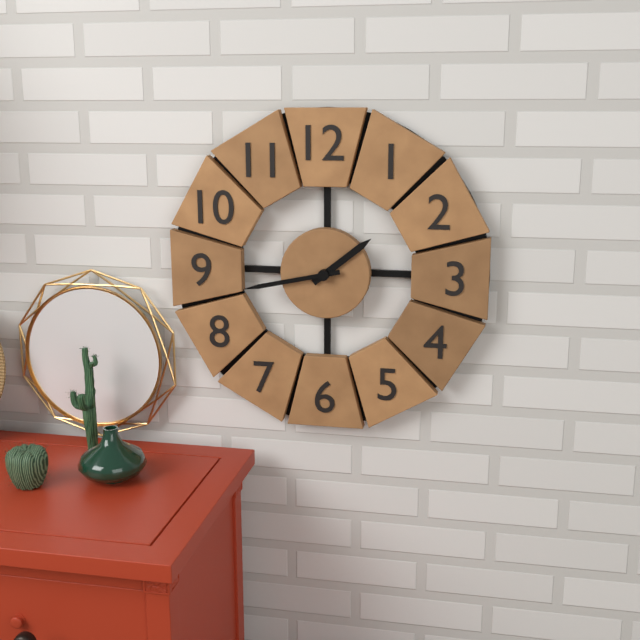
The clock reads 1,43
